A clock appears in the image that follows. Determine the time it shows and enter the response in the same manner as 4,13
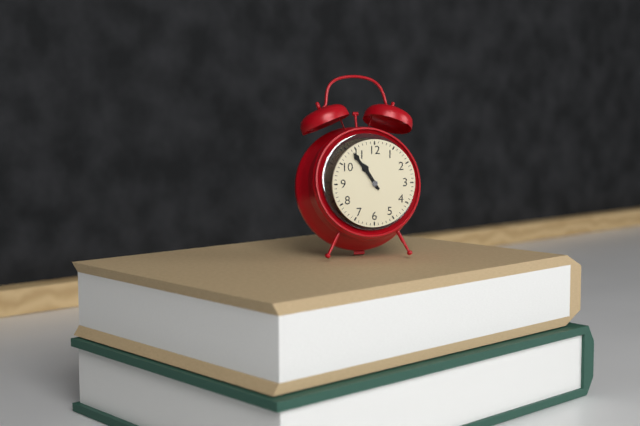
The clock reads 10,54
